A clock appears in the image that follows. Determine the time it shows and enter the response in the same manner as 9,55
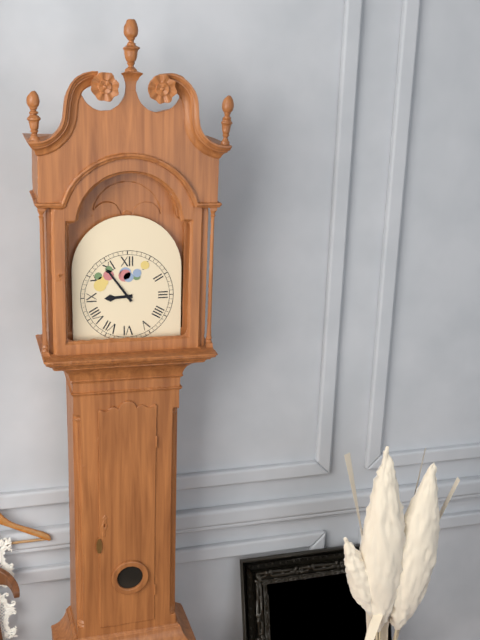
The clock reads 8,54
